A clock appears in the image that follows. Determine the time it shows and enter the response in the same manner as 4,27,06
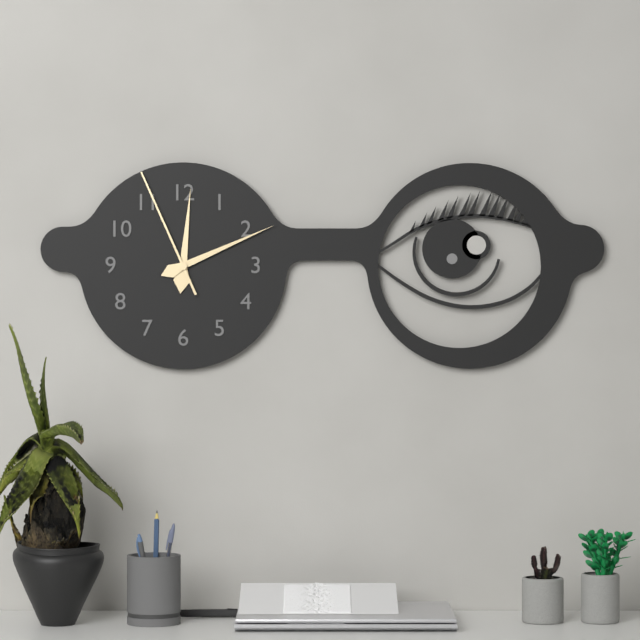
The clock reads 12,11,56
